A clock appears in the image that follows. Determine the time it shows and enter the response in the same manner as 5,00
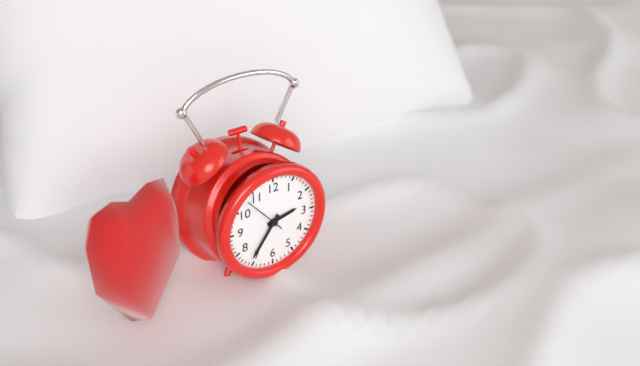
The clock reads 2,36
